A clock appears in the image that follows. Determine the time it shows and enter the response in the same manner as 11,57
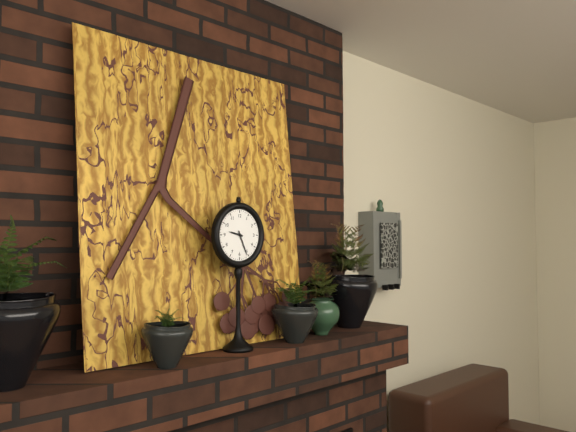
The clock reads 9,26
